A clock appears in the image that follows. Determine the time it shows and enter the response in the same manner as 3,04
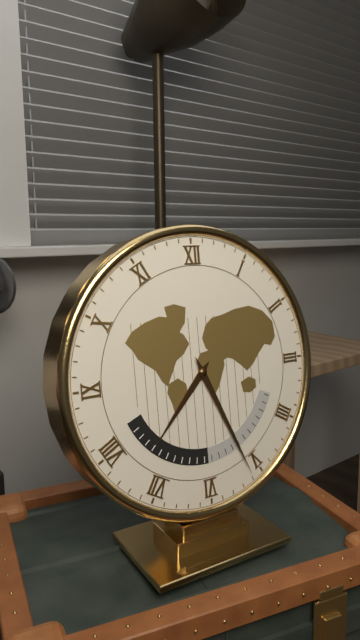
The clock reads 7,26
